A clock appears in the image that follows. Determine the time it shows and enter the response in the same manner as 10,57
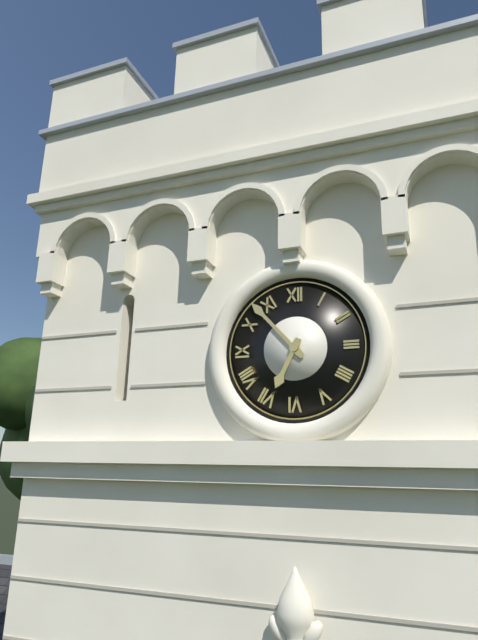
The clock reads 6,53
